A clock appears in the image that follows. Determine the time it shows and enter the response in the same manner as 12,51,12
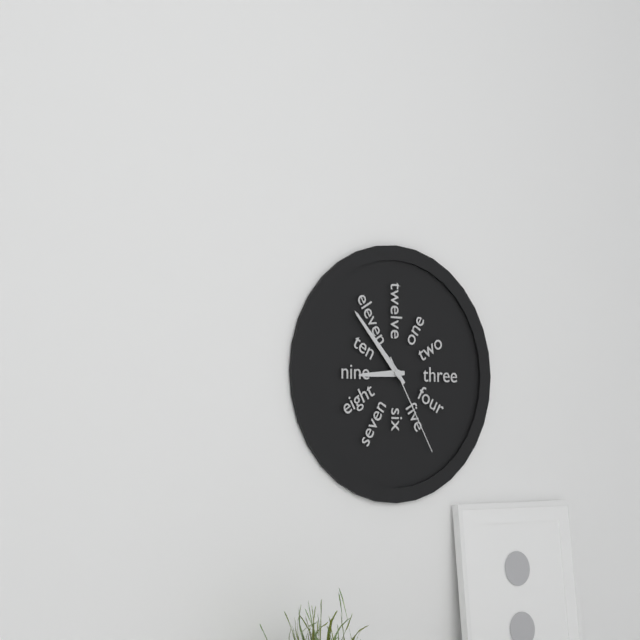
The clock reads 8,53,25
